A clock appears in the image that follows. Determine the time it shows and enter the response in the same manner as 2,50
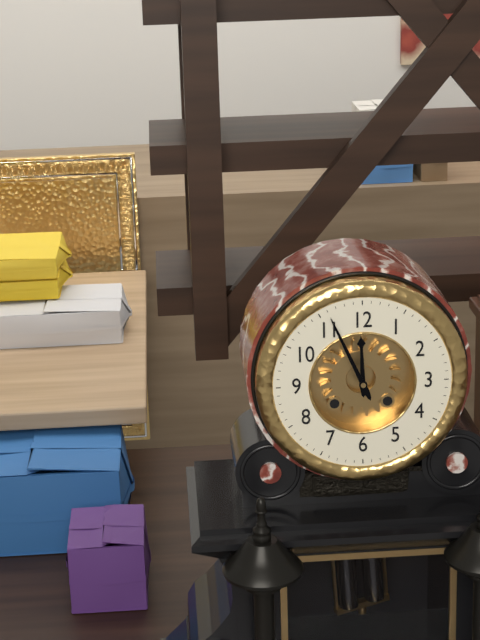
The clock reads 11,56
